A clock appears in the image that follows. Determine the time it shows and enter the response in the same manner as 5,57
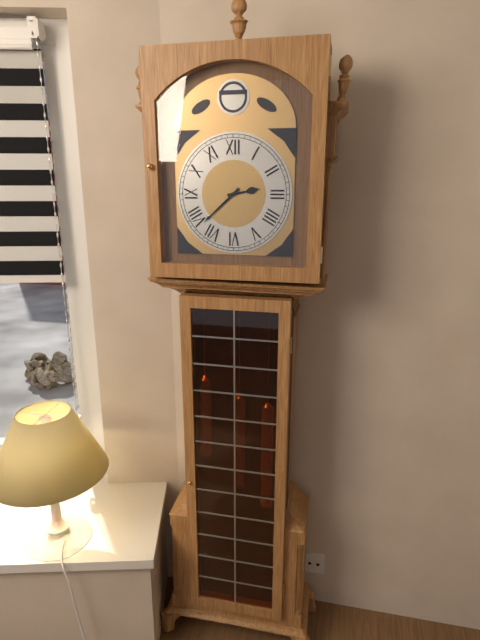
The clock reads 2,38
